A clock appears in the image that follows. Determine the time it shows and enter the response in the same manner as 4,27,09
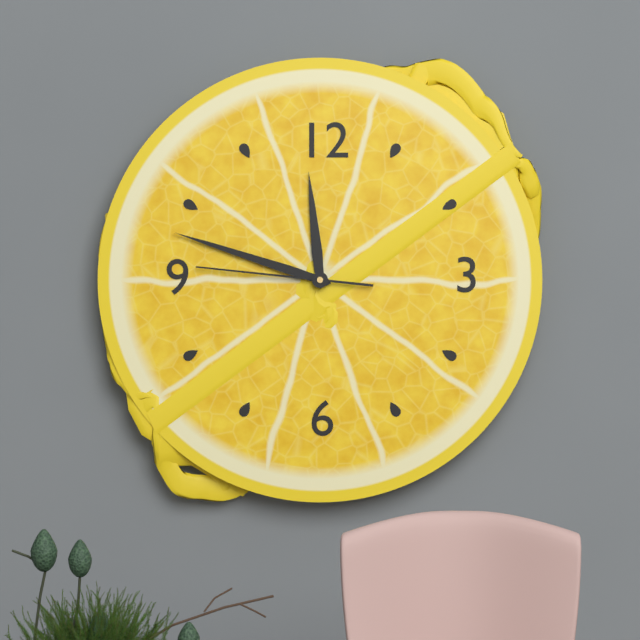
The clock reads 11,48,46
